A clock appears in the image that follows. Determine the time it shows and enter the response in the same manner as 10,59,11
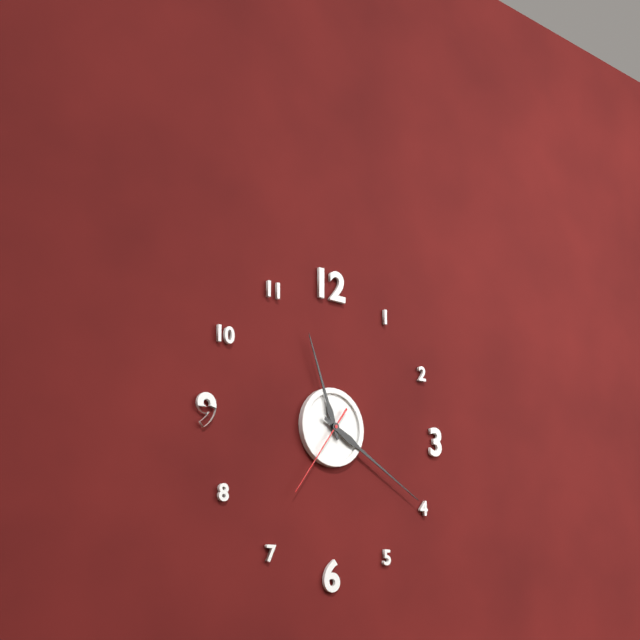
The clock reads 11,20,36
